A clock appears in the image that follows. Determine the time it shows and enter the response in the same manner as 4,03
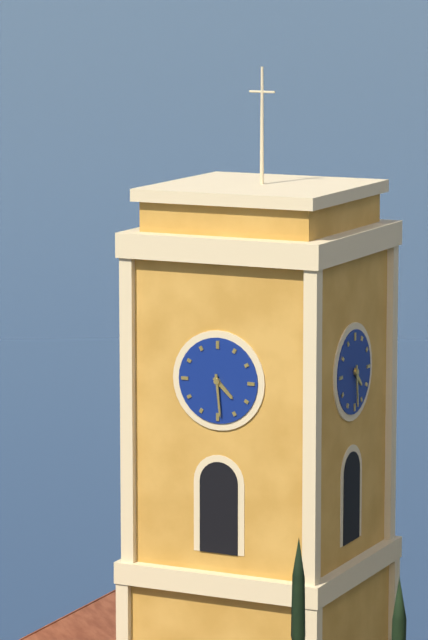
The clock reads 4,29
